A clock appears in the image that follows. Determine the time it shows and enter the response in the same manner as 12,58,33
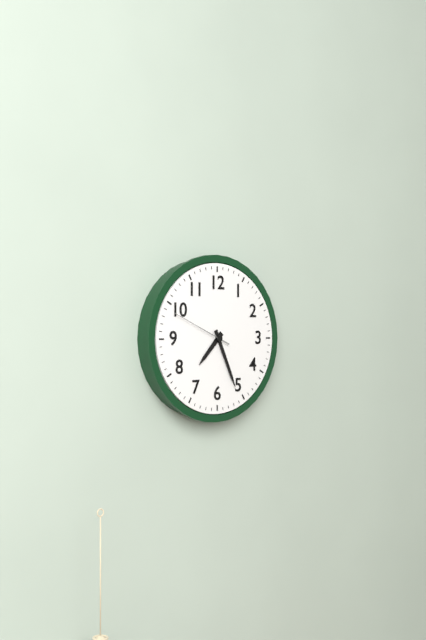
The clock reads 7,26,49
